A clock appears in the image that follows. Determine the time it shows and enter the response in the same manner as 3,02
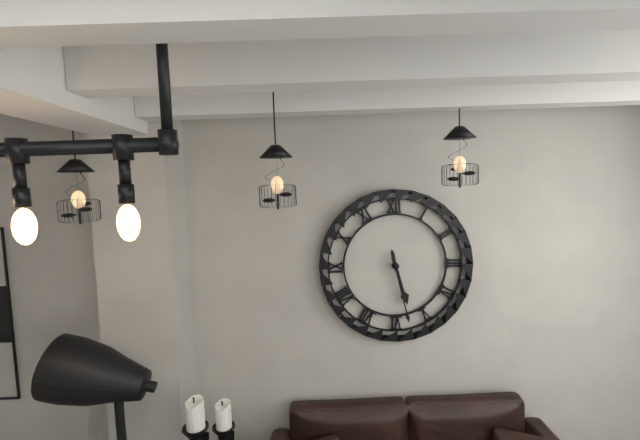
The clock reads 5,28
